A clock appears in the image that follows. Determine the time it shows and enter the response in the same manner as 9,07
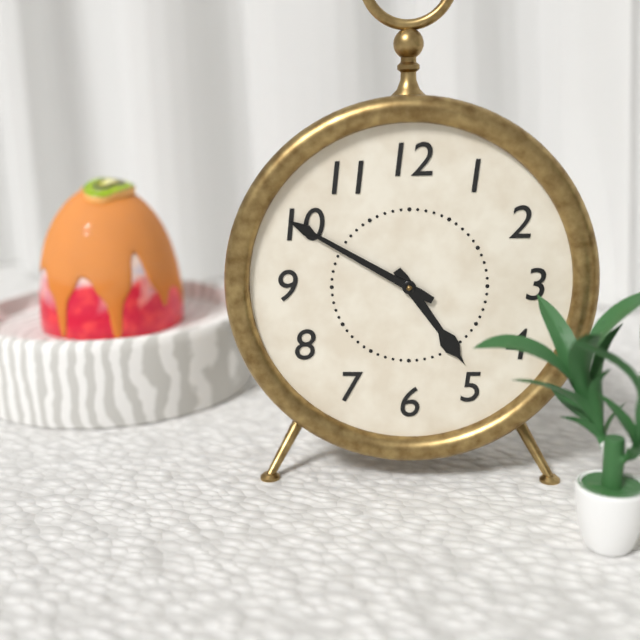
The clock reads 4,50
